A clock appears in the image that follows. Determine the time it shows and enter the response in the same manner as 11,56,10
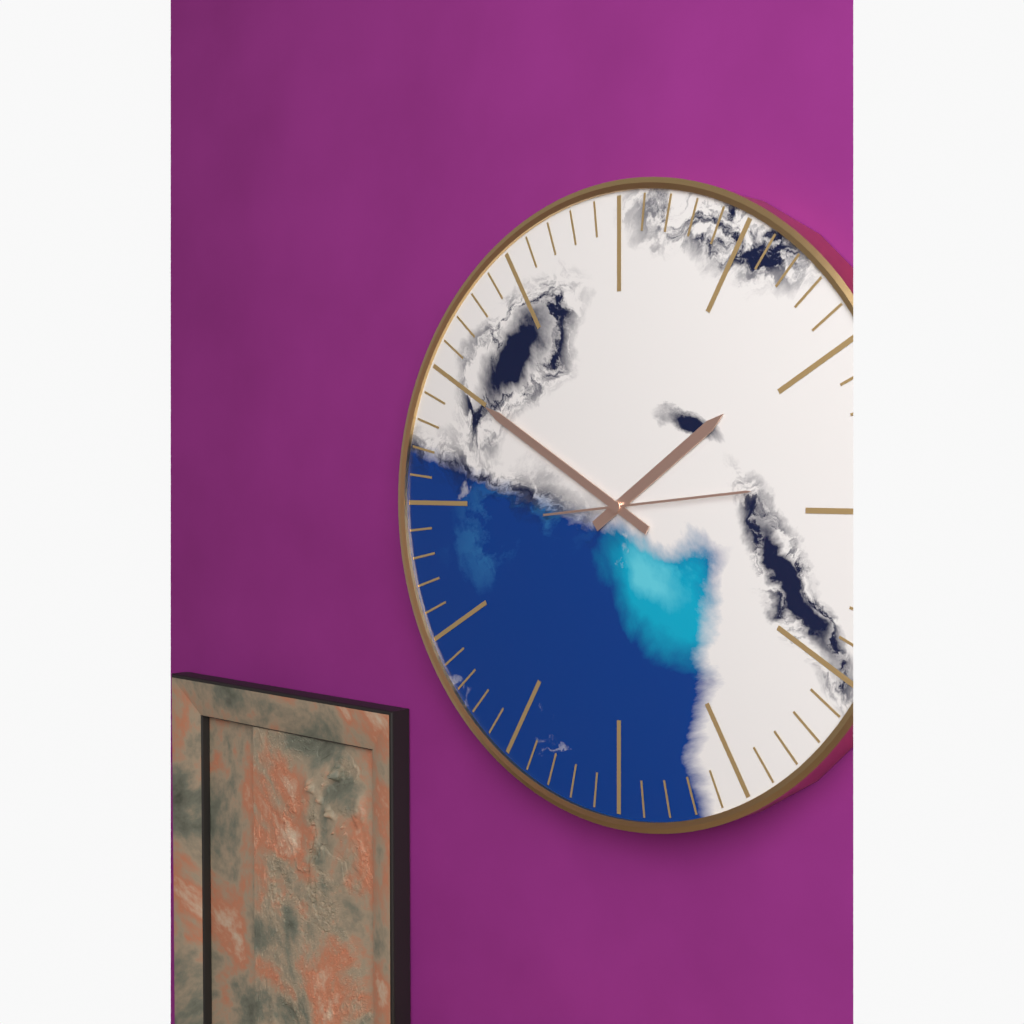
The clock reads 1,50,14
